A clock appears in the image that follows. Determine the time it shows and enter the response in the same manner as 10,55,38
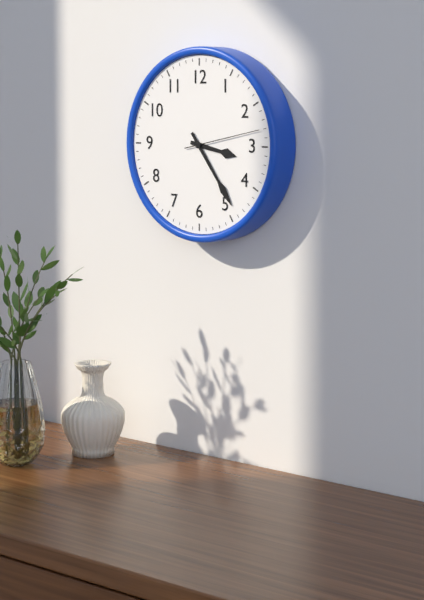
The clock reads 3,24,13
